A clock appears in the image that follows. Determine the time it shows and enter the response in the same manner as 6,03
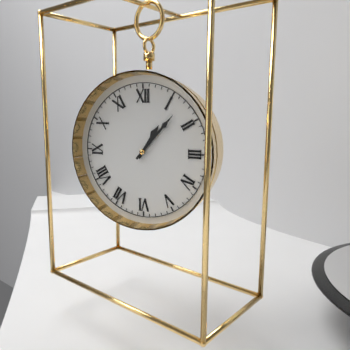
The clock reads 1,07
